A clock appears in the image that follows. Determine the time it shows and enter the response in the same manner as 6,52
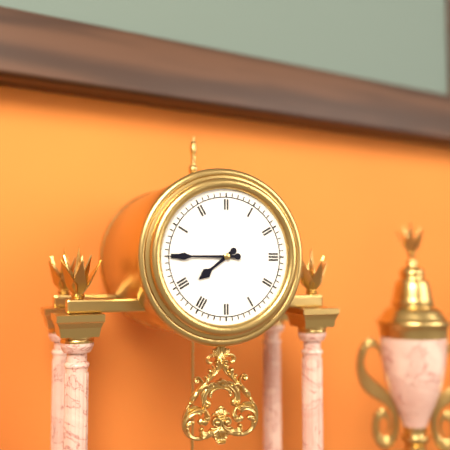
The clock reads 7,45
